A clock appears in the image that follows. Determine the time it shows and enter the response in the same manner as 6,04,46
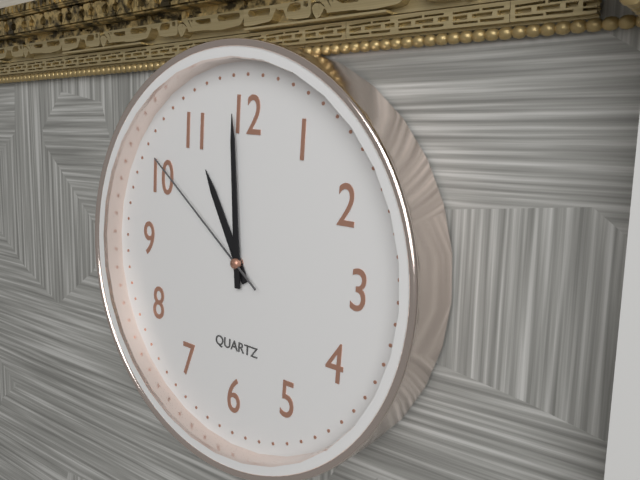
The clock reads 10,59,51
